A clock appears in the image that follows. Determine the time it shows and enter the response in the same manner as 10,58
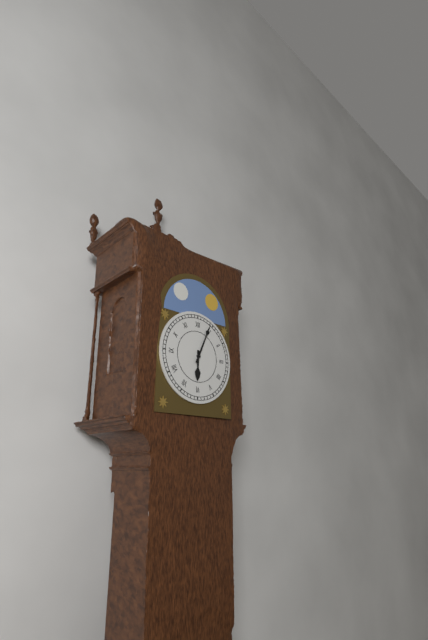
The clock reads 6,04
